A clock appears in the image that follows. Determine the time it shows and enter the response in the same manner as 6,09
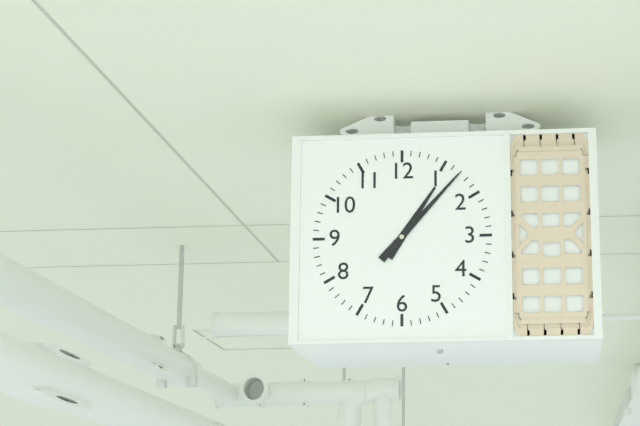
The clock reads 1,07
